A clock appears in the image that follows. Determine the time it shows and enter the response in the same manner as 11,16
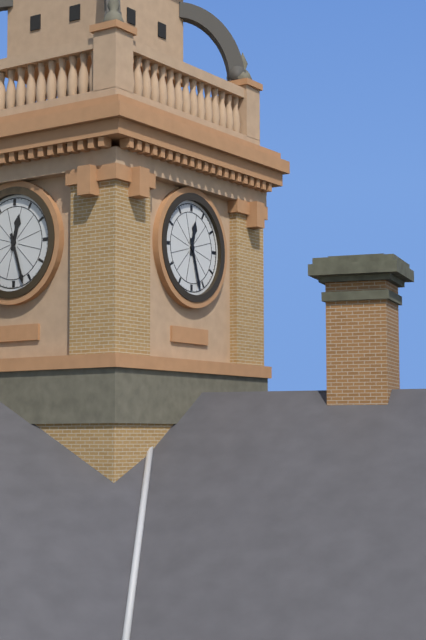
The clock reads 12,27
